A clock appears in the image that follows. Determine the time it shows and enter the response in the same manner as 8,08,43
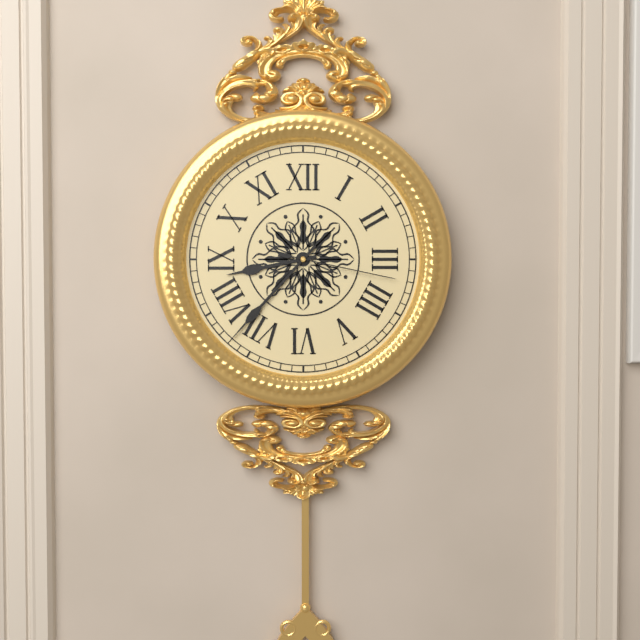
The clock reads 8,37,17
